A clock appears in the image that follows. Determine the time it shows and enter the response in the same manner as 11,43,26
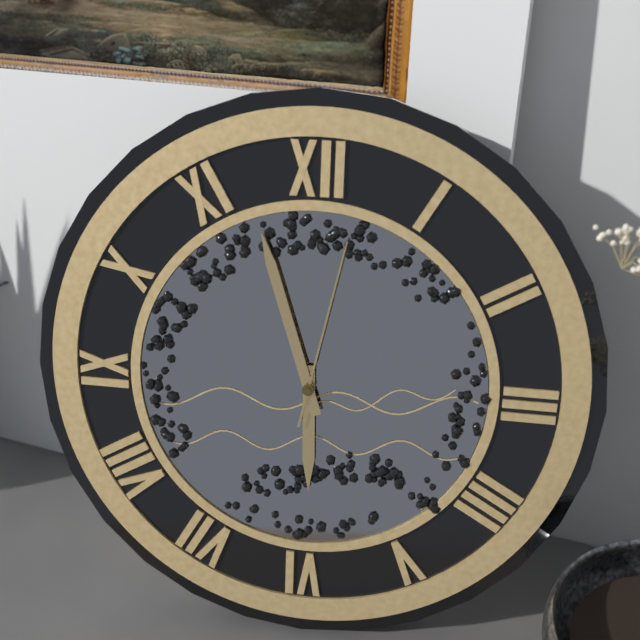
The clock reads 5,57,02
